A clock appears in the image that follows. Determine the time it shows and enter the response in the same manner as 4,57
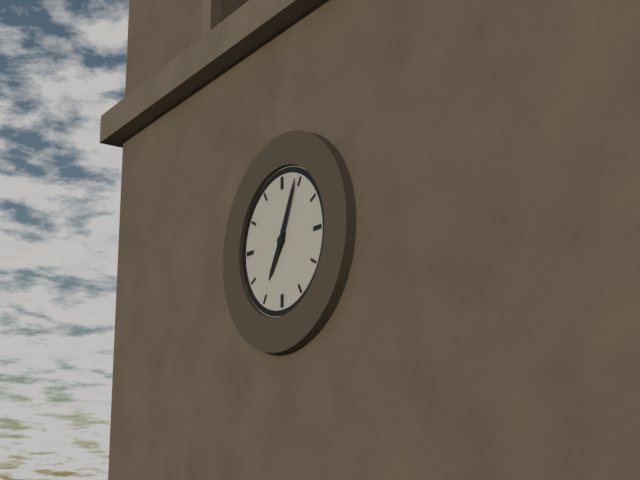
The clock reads 7,04
